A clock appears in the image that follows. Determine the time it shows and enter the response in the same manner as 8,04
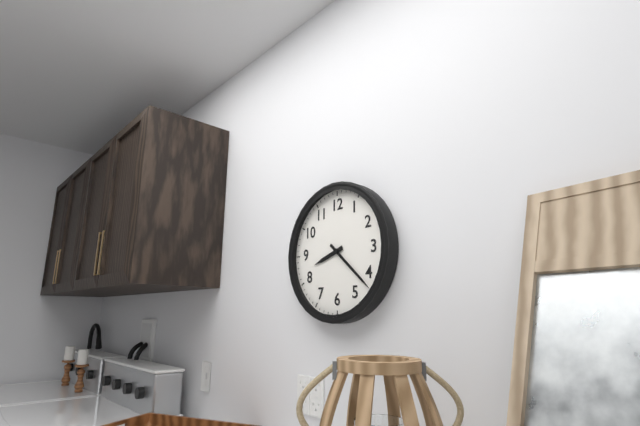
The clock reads 8,22
